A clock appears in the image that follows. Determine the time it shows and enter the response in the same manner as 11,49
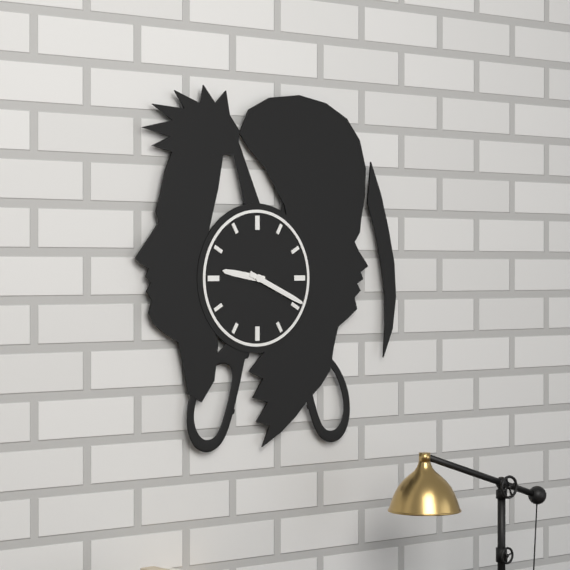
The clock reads 9,19
